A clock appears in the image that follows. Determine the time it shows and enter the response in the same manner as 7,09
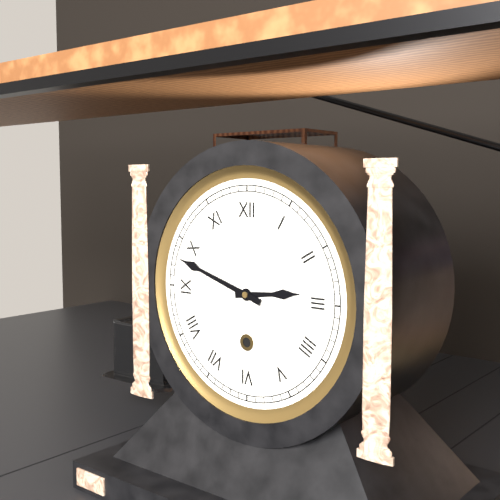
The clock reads 2,48
